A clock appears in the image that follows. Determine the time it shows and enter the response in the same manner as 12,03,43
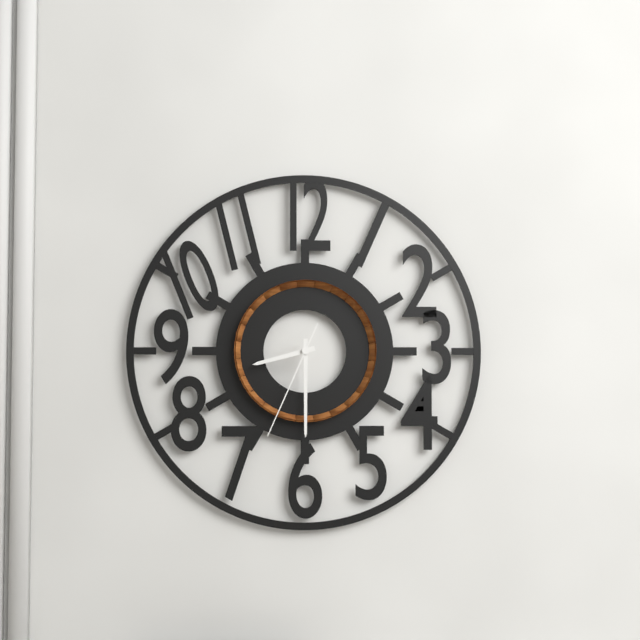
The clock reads 8,30,34
